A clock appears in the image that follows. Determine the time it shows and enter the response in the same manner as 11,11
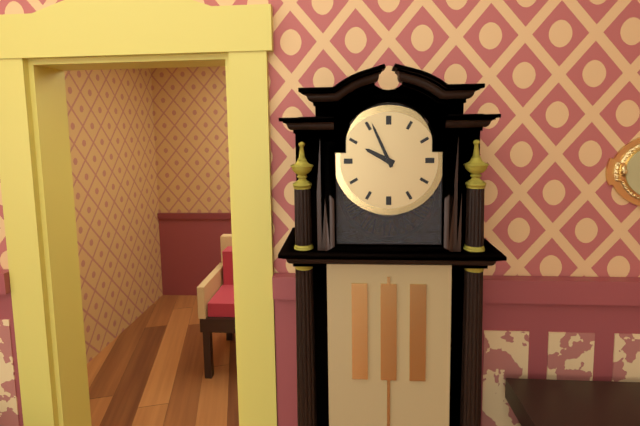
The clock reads 9,56
